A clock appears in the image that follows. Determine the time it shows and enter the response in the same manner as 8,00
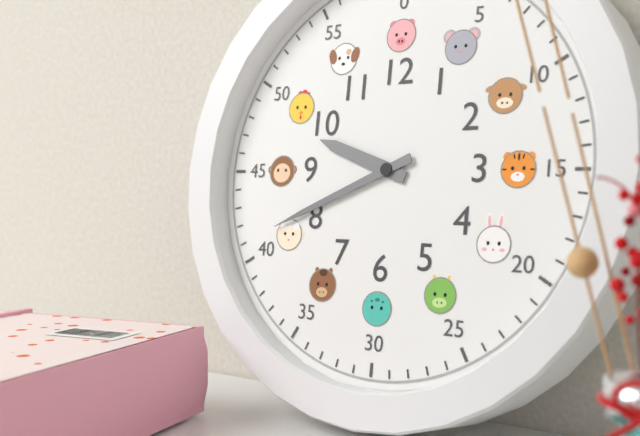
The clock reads 9,41
